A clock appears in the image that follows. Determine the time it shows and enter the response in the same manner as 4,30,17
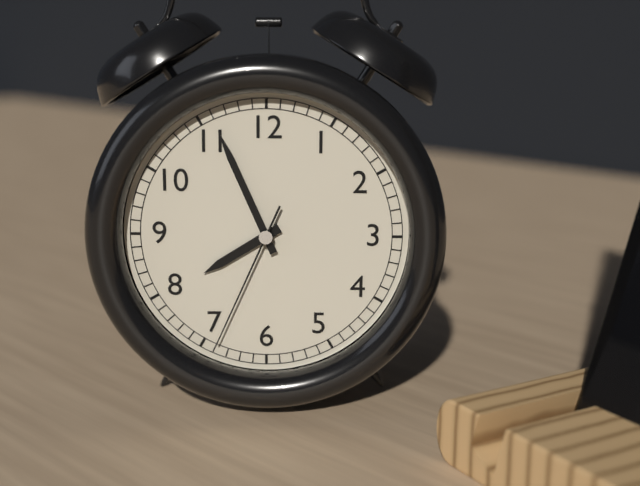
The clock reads 7,56,34
